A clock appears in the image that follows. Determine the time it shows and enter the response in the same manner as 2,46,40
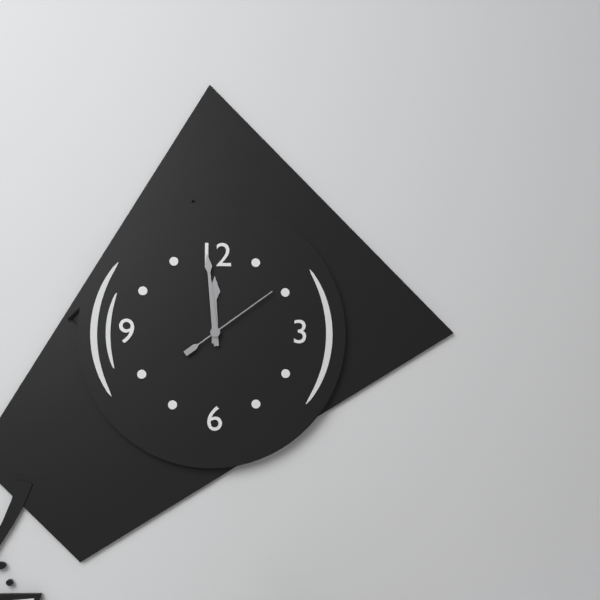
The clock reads 11,59,09
